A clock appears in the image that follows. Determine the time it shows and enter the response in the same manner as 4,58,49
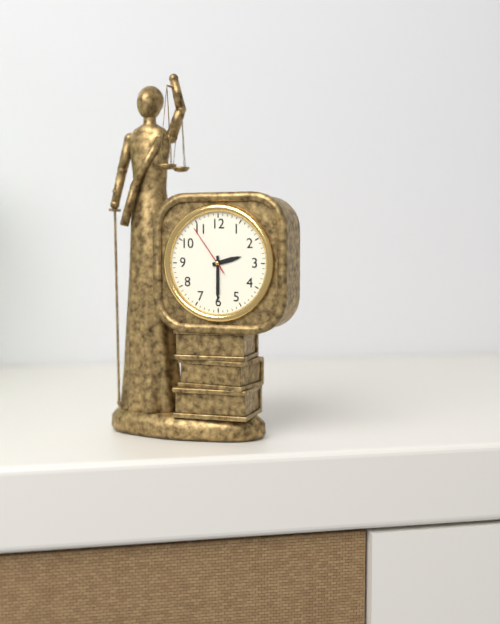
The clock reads 2,30,54
